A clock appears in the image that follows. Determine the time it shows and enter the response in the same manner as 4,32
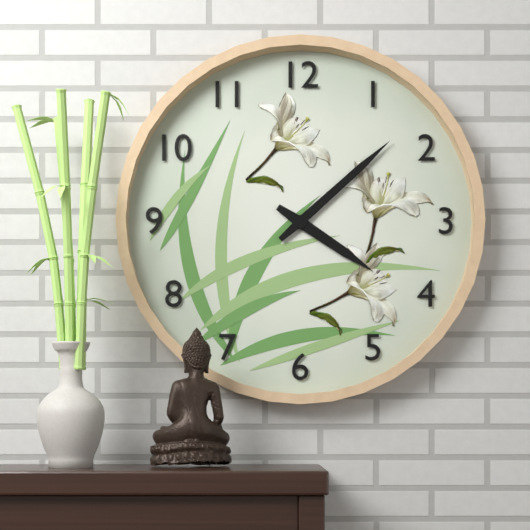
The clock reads 4,08
